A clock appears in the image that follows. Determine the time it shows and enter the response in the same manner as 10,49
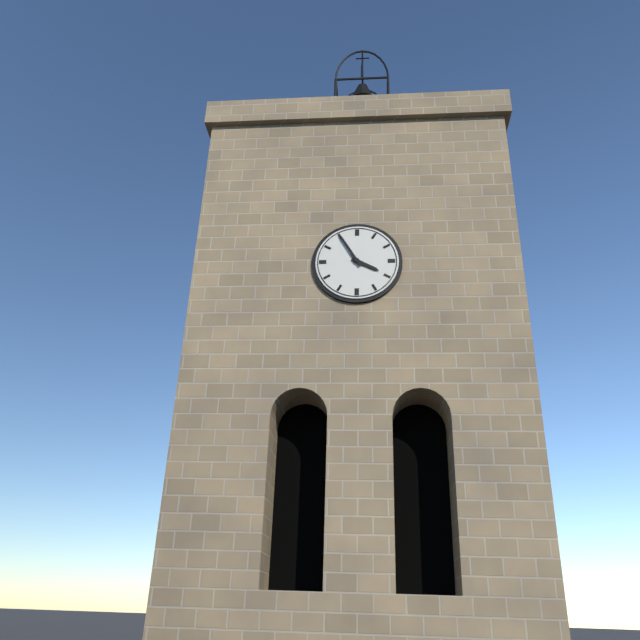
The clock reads 3,55
